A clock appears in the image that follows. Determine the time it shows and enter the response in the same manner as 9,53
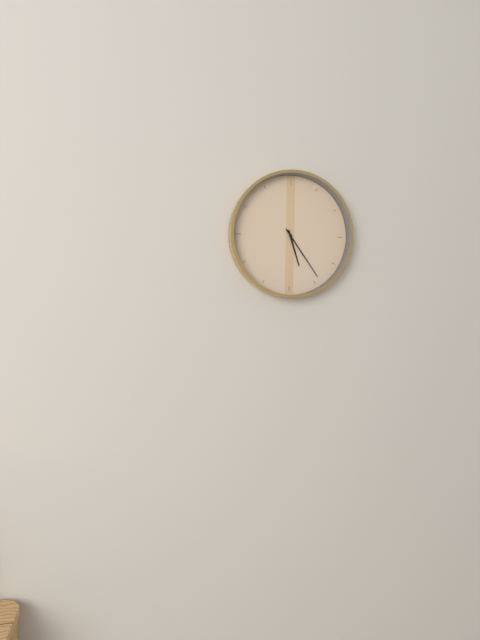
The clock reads 5,24
